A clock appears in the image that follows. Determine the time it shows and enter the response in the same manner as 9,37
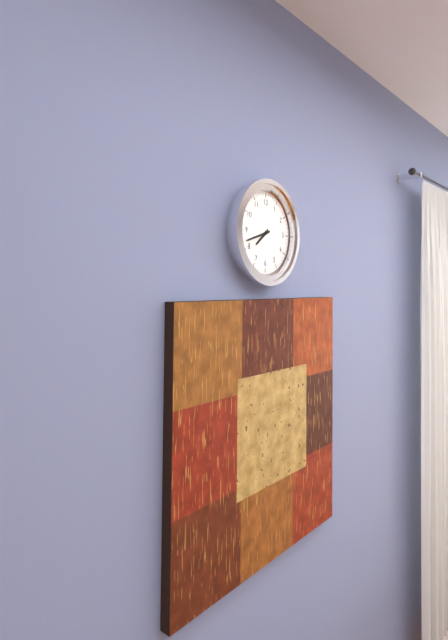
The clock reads 7,42
